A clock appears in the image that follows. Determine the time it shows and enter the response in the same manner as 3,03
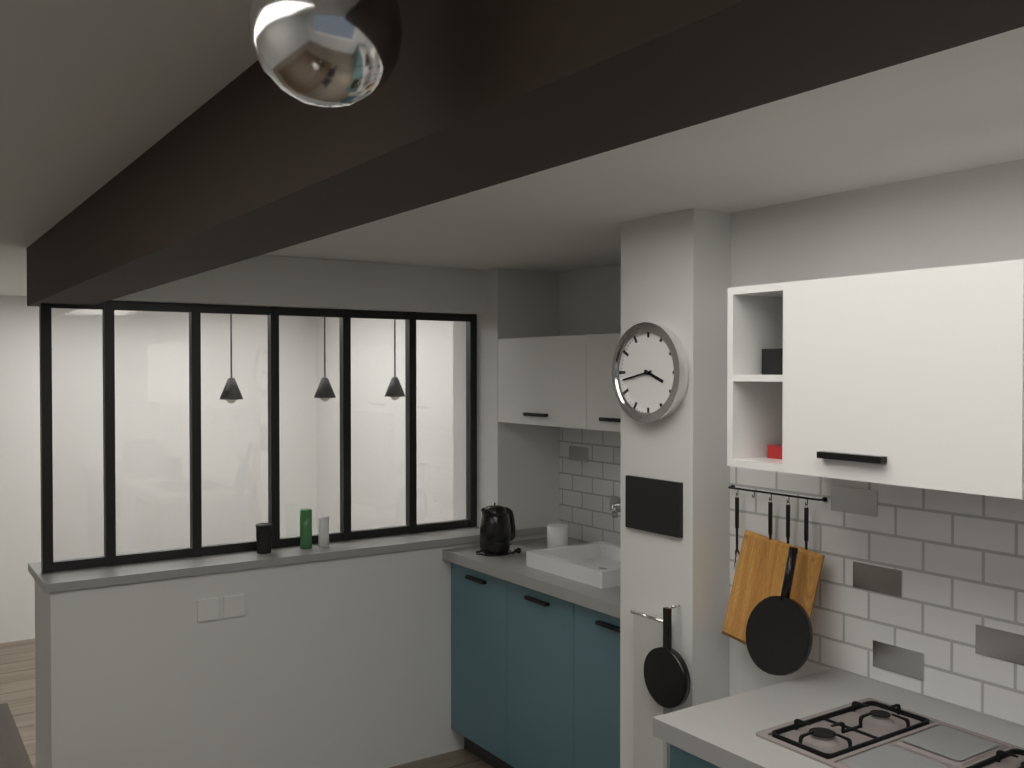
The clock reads 3,43
